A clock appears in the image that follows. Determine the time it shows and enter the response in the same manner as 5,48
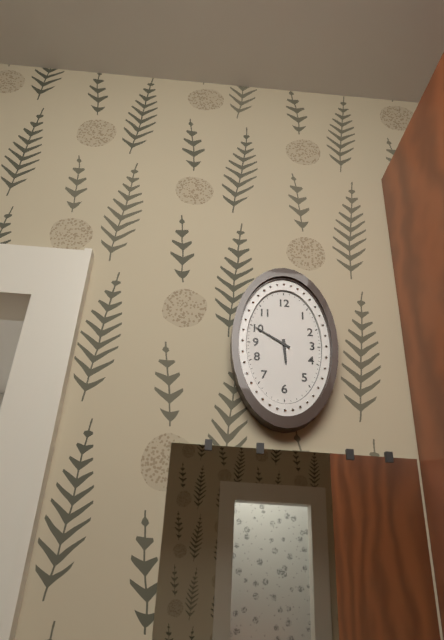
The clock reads 5,50
